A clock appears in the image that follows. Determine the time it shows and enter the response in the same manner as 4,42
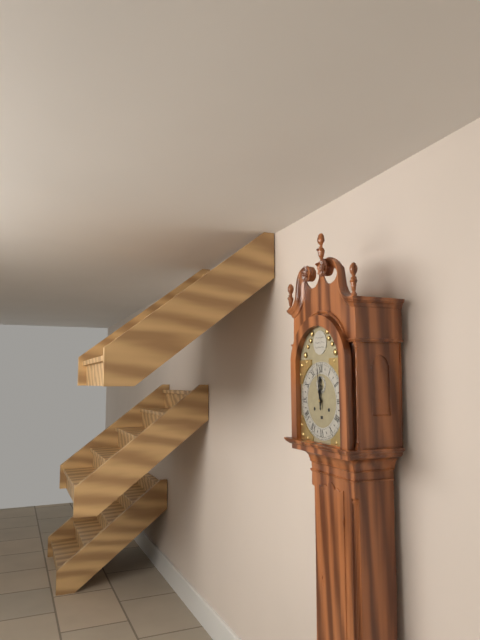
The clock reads 11,59
